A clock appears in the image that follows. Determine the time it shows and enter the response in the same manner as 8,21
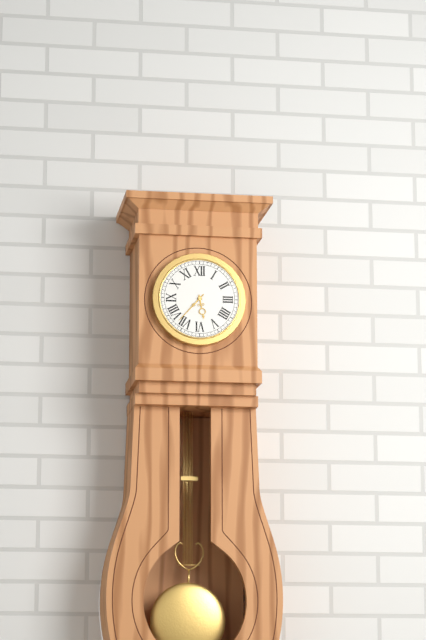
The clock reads 5,37
